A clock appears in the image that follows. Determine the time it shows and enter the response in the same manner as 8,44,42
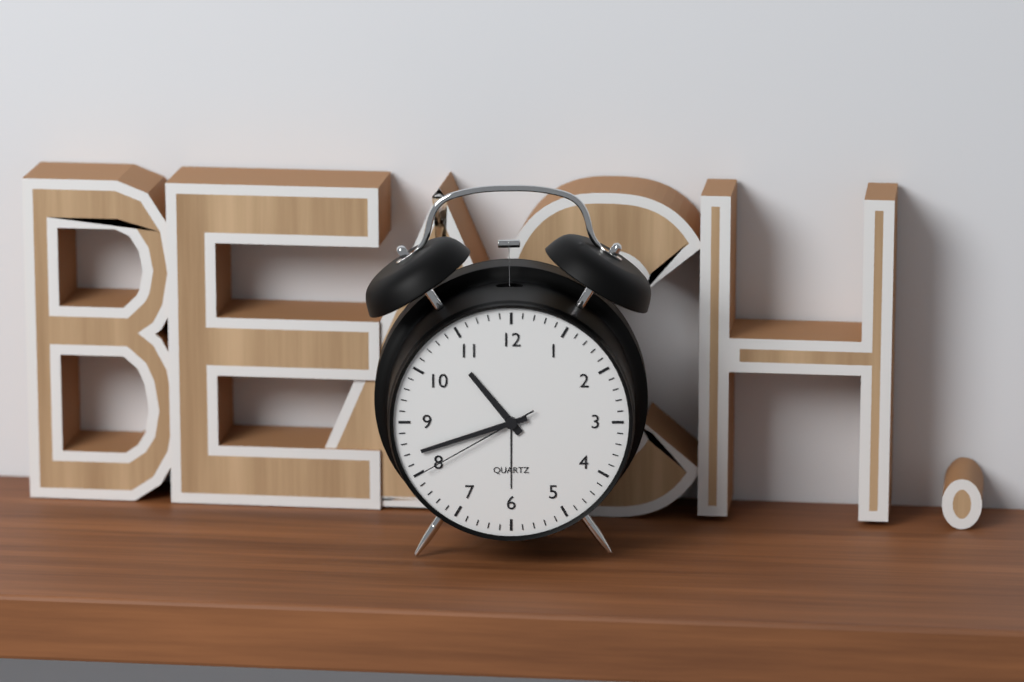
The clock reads 10,42,40
